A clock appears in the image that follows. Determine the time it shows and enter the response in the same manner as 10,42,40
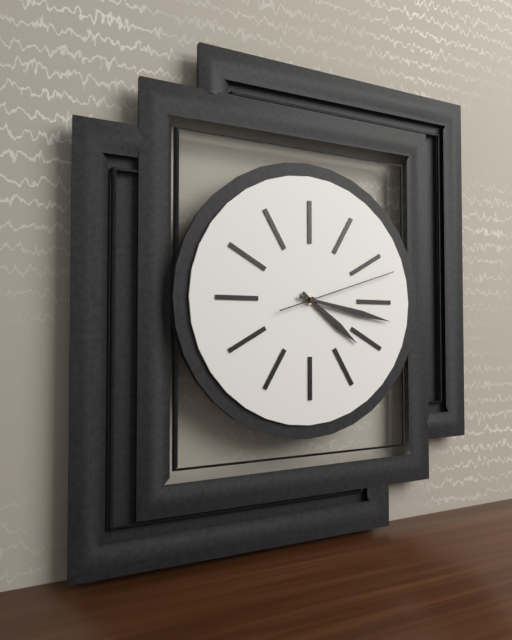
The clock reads 4,17,12
